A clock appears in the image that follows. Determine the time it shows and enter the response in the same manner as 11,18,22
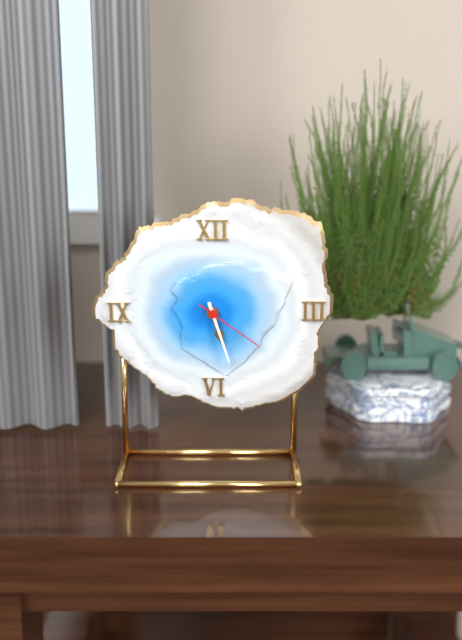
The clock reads 5,27,21
